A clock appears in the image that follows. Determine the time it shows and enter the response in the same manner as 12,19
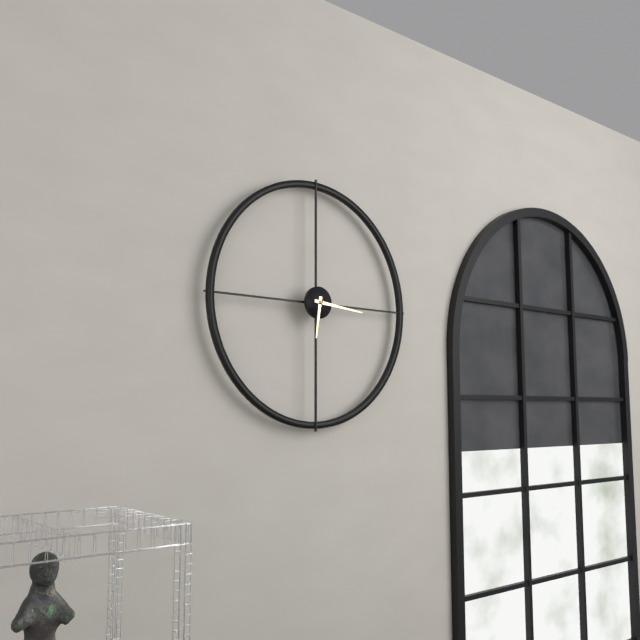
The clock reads 6,16
